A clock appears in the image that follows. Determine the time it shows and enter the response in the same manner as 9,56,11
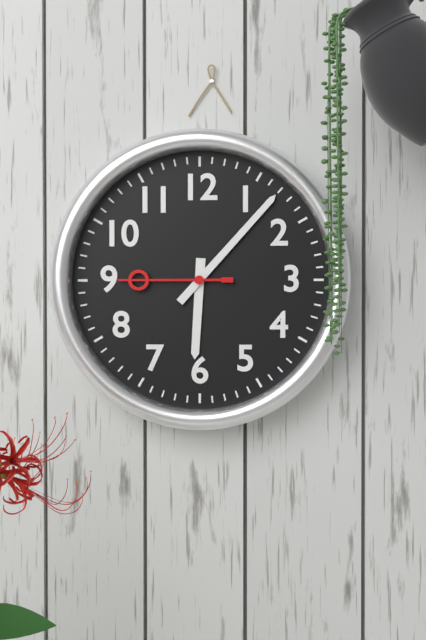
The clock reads 6,07,45
